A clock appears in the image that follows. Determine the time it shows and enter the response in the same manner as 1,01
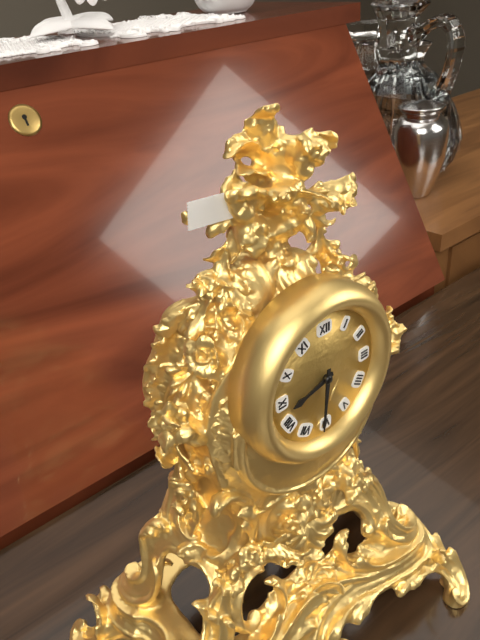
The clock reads 8,31
